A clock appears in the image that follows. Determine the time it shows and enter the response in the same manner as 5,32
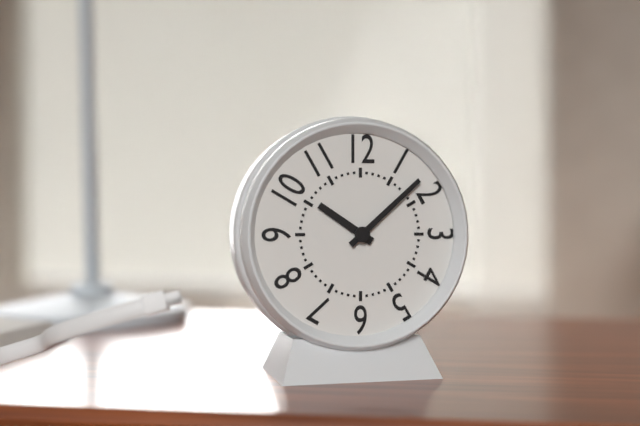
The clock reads 10,08
